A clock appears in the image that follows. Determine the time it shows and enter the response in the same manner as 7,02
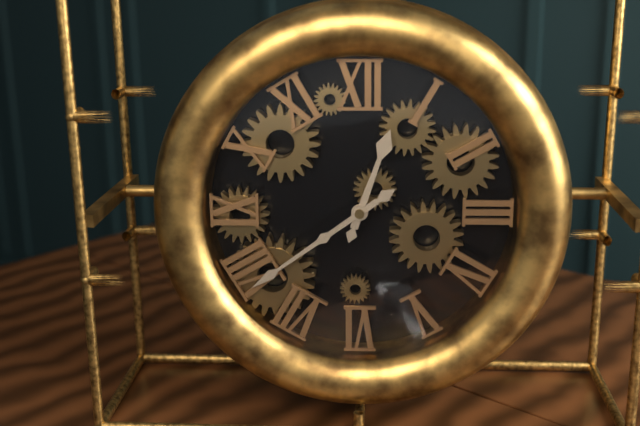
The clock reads 12,39
